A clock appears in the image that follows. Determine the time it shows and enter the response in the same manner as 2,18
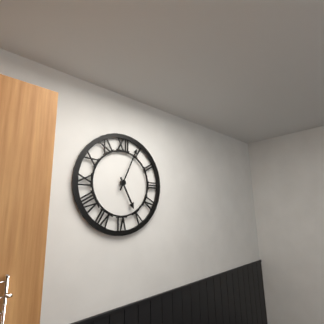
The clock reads 5,04
